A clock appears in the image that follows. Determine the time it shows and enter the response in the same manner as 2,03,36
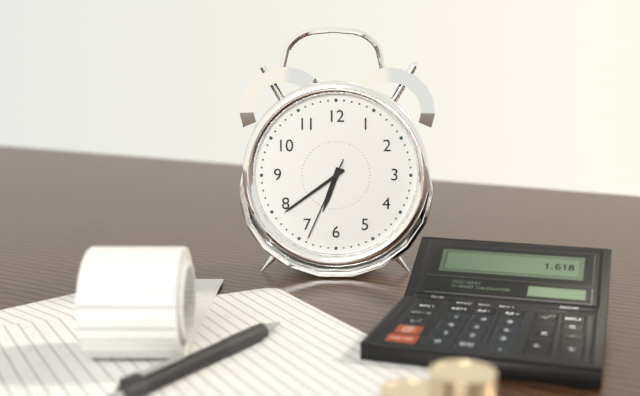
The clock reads 6,39,34
